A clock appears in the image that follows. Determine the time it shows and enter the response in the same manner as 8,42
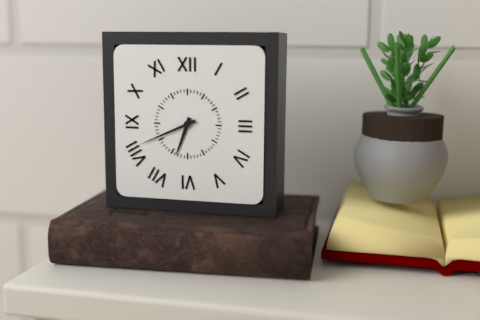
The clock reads 6,41
